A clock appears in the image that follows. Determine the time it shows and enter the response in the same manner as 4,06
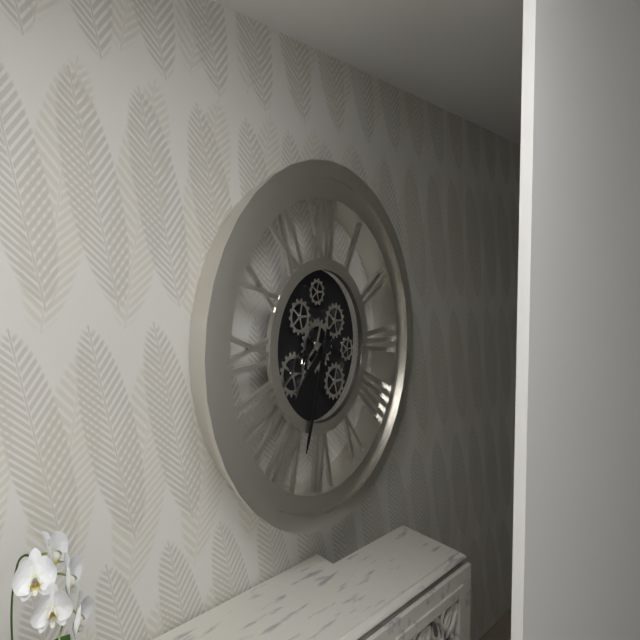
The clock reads 7,33
